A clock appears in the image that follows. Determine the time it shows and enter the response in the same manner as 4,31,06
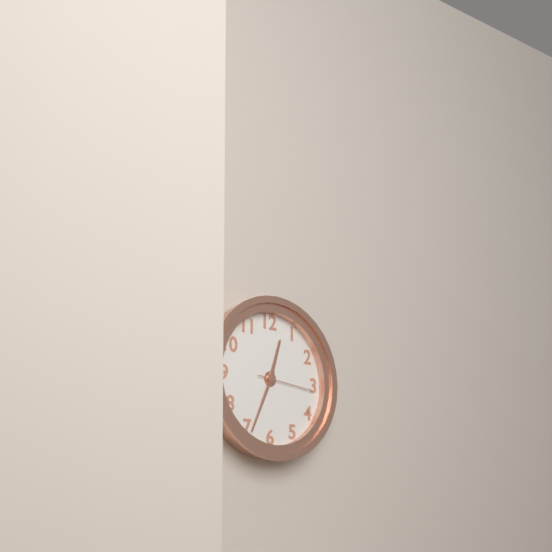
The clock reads 12,34,16
